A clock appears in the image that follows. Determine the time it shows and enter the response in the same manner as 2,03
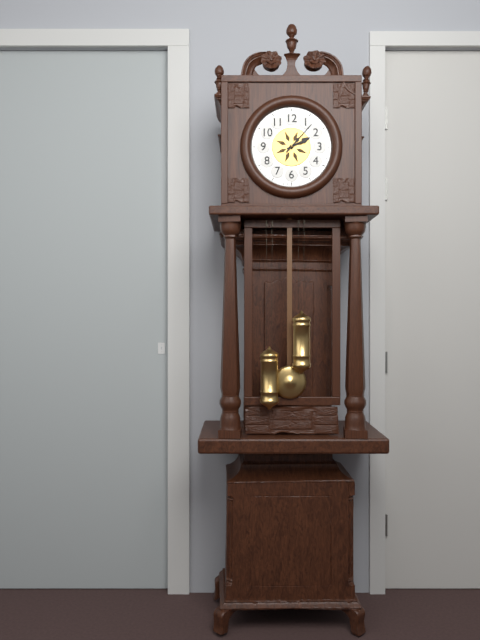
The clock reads 2,07
